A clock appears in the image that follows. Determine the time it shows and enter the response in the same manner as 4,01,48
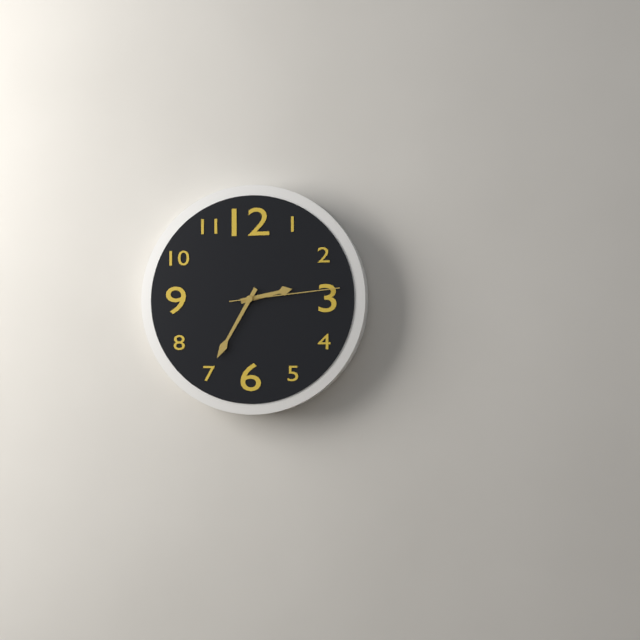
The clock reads 2,35,14
